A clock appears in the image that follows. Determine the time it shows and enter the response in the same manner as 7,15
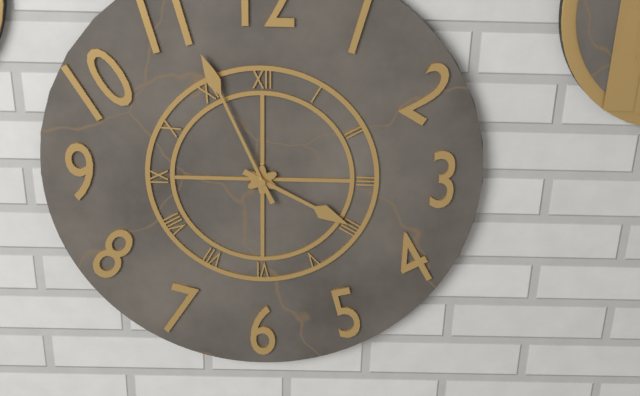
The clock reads 3,56
